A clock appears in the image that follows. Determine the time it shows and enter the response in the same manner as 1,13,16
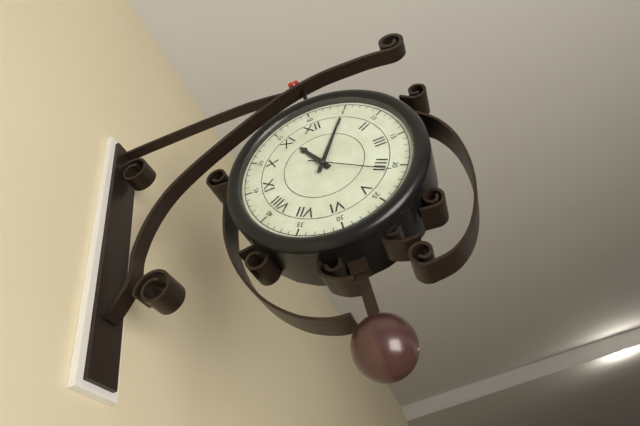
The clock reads 11,05,21
